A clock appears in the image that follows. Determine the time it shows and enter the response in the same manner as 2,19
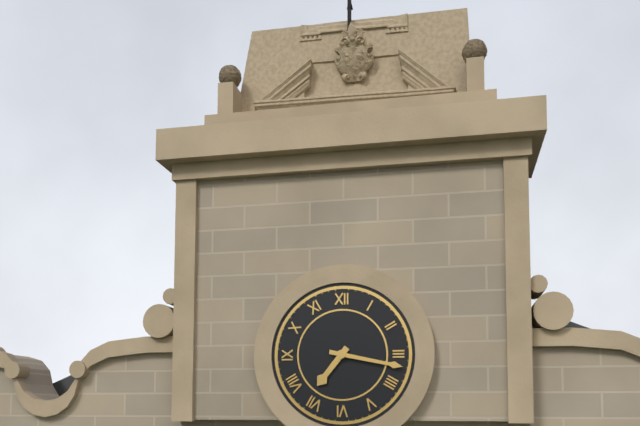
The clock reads 7,17
